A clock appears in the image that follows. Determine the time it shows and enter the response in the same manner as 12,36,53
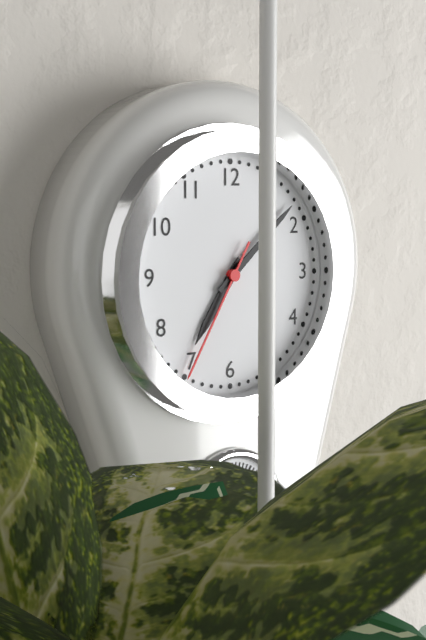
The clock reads 7,08,35
